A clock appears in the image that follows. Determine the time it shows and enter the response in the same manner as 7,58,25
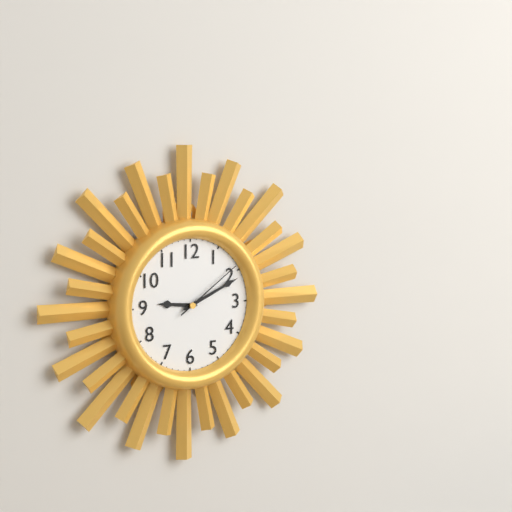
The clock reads 9,11,09
